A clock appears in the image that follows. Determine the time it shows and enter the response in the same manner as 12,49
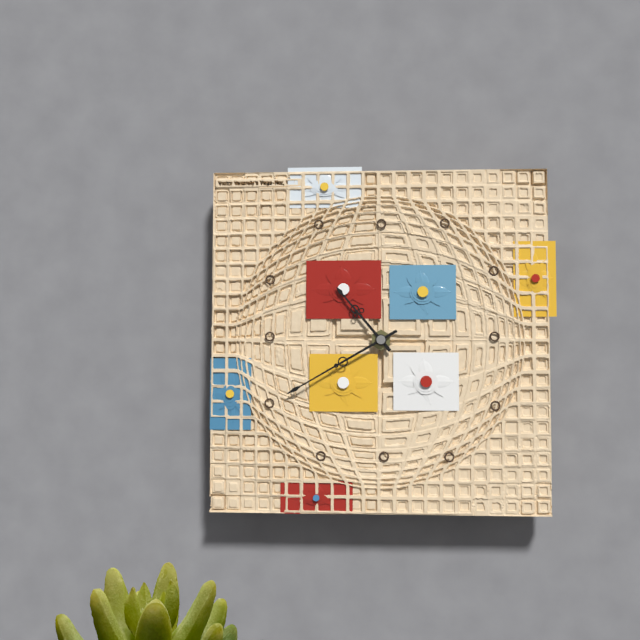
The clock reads 10,40
